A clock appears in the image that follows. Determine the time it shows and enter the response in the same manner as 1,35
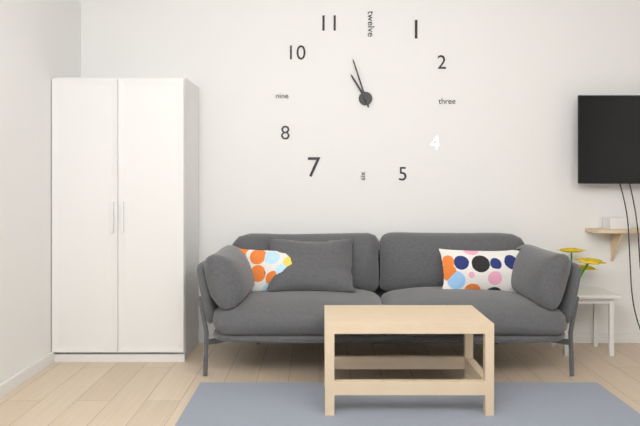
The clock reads 10,57
